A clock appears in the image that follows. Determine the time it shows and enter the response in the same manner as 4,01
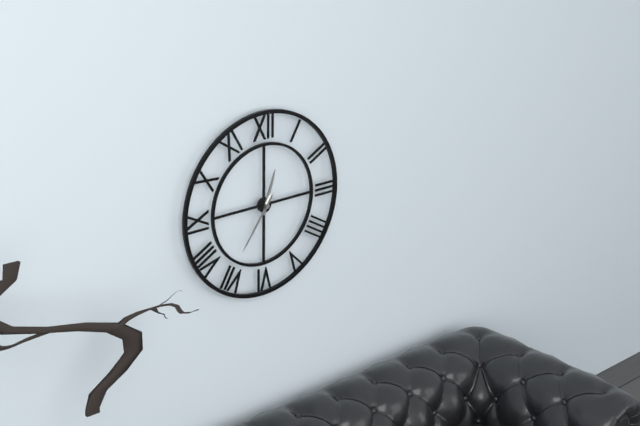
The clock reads 12,36
